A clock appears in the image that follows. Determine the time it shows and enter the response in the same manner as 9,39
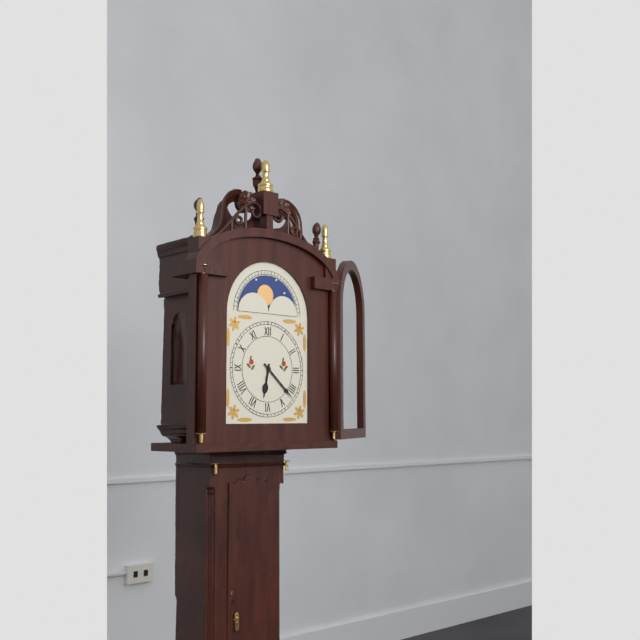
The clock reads 6,22
